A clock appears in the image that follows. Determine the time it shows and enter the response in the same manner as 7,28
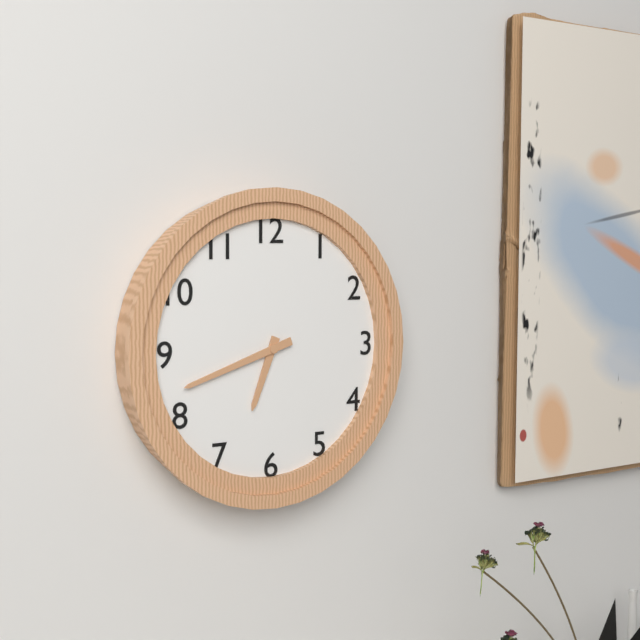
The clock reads 6,42
